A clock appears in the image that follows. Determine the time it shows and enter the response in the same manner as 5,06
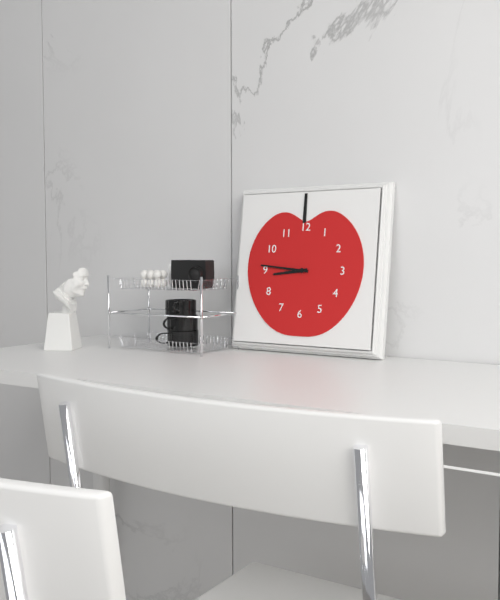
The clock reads 8,46
